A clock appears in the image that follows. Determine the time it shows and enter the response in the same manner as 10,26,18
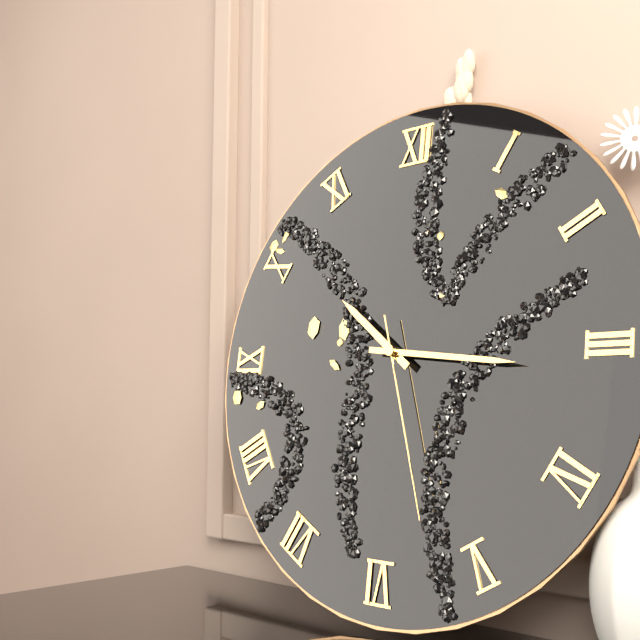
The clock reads 10,16,27
